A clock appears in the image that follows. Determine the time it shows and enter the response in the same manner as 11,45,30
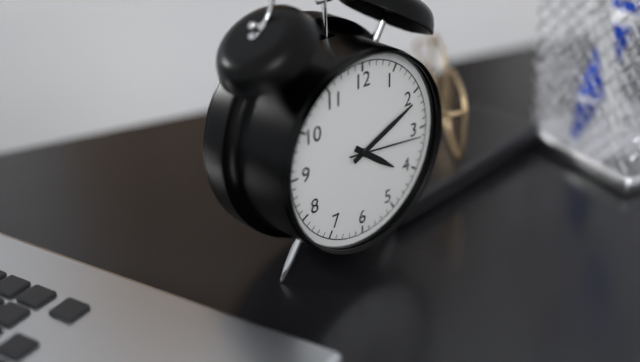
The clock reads 4,11,16
